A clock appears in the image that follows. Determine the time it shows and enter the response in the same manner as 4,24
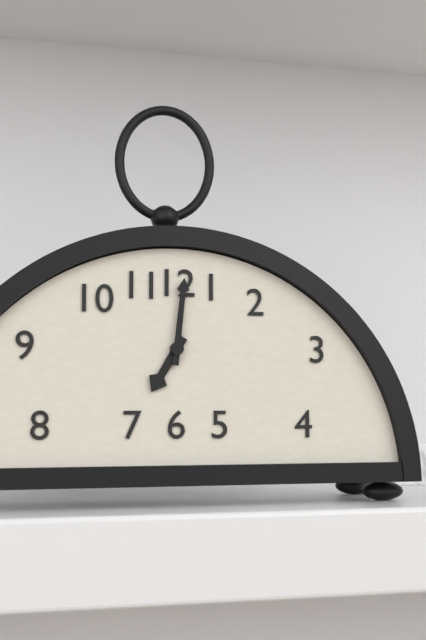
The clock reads 7,01
